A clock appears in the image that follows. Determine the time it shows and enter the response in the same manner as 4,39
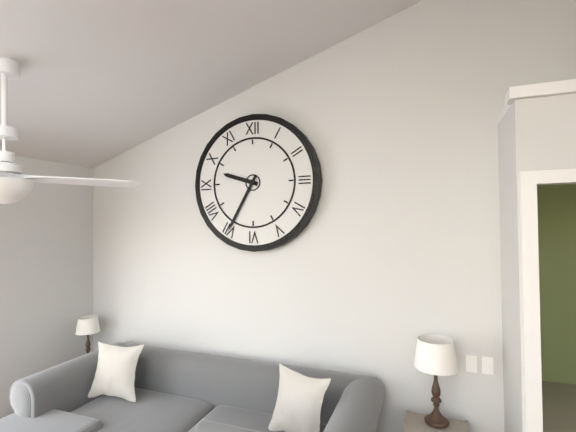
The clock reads 9,35
